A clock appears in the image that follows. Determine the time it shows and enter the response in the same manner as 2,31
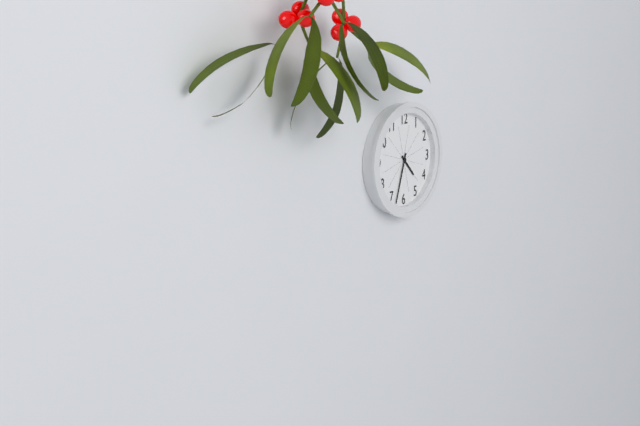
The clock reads 4,33
